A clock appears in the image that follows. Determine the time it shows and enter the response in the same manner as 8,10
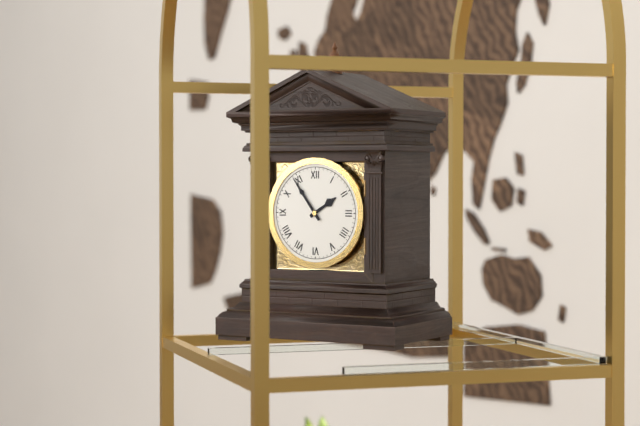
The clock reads 1,54
